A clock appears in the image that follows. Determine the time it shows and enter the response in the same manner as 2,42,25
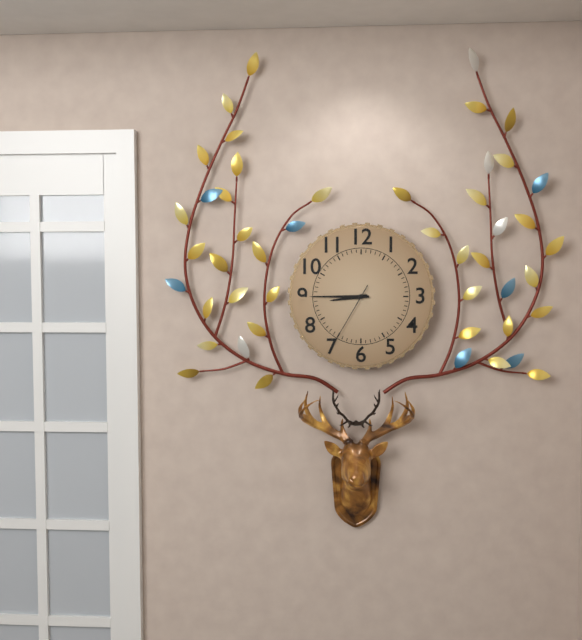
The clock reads 8,45,35
